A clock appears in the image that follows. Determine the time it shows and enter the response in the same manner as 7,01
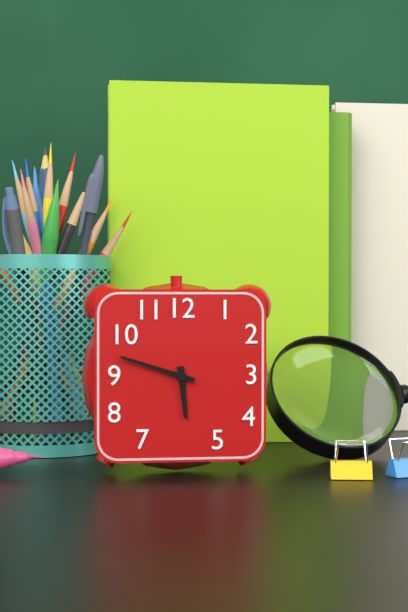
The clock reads 5,48
